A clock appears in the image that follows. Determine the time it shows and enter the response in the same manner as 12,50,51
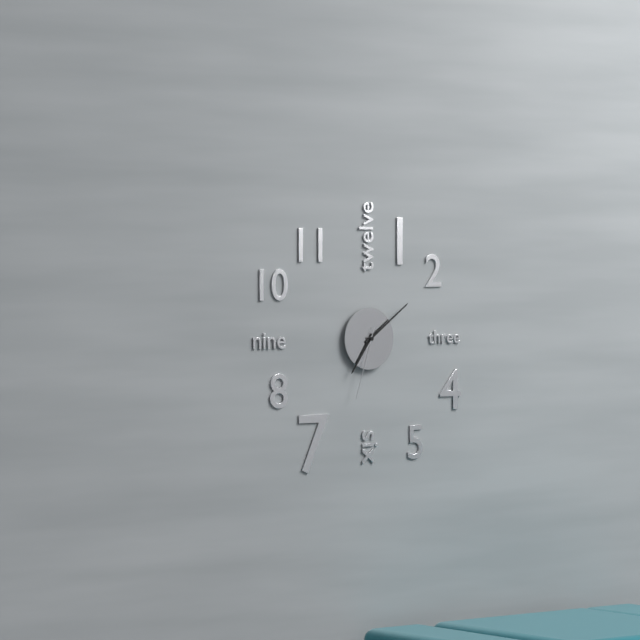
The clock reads 7,09,33
